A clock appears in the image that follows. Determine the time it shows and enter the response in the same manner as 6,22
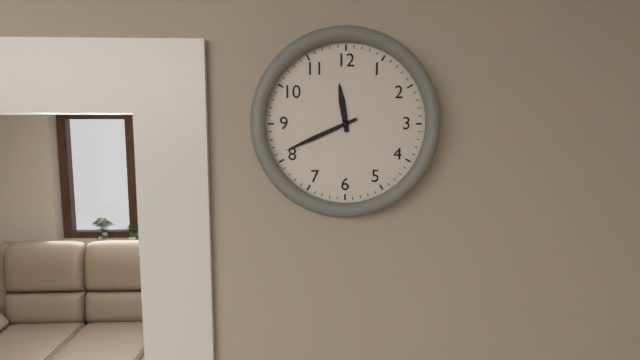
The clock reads 11,41
